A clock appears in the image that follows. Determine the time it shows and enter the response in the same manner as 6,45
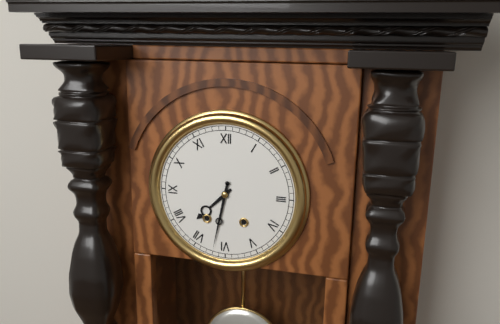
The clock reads 7,32
